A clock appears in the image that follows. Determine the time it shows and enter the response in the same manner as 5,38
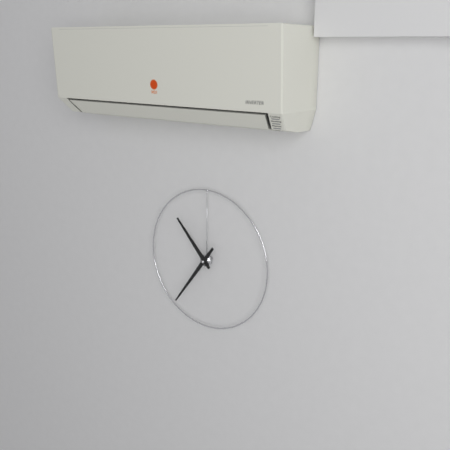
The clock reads 10,36
